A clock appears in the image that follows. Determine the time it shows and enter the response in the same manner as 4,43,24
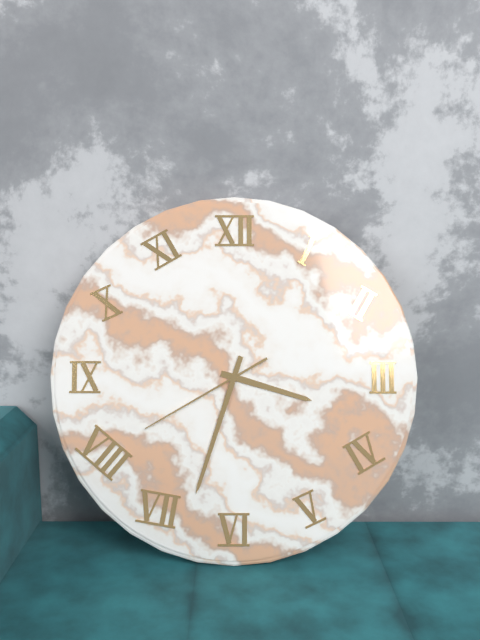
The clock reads 3,33,40
